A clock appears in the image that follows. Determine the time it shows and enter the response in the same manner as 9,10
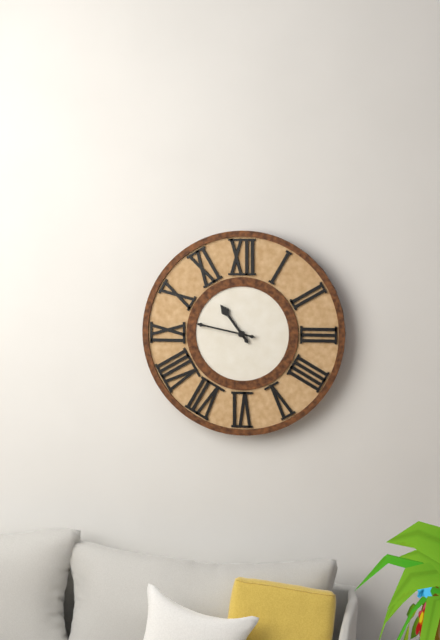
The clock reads 10,47
